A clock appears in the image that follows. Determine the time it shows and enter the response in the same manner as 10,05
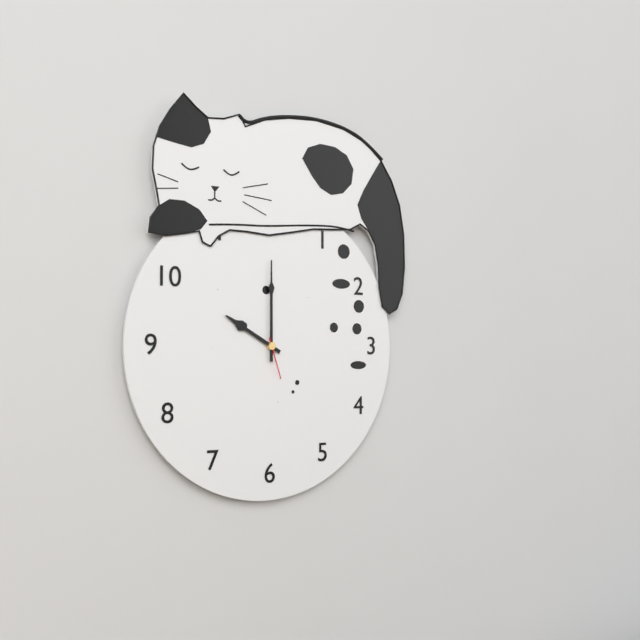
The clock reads 10,00
